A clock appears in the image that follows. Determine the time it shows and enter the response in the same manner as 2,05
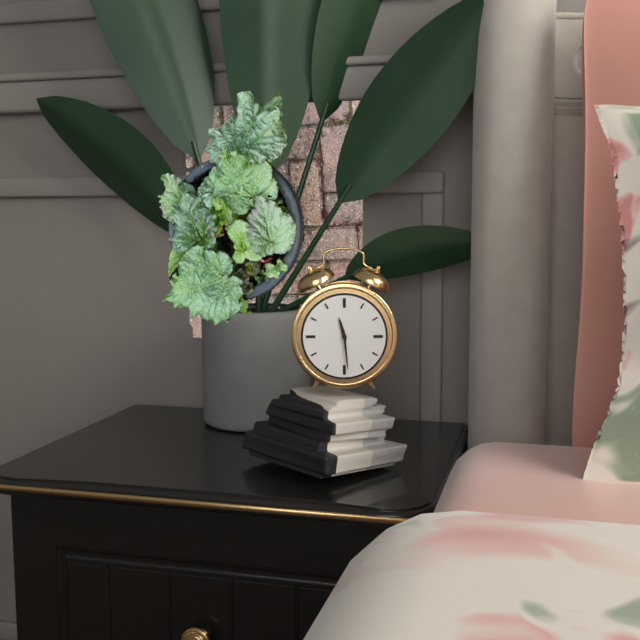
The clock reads 11,29
